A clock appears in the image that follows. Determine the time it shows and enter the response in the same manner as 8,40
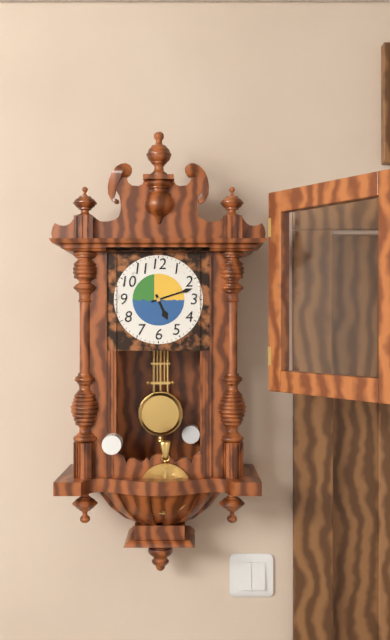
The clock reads 5,12
